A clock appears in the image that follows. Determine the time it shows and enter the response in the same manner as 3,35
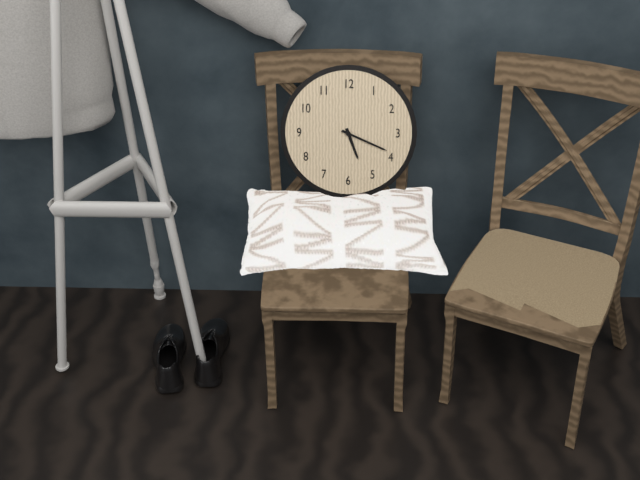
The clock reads 5,19
